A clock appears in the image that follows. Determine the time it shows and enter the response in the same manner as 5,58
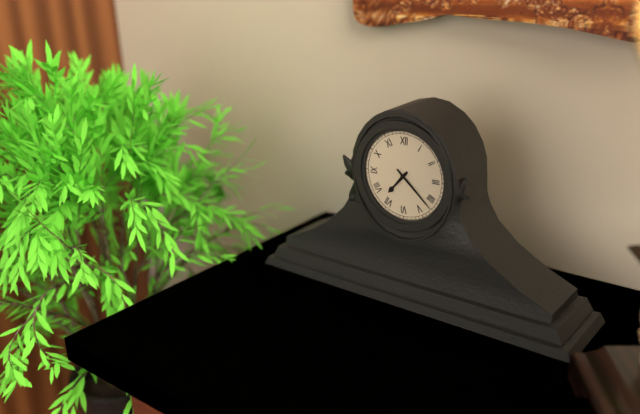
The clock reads 7,22
